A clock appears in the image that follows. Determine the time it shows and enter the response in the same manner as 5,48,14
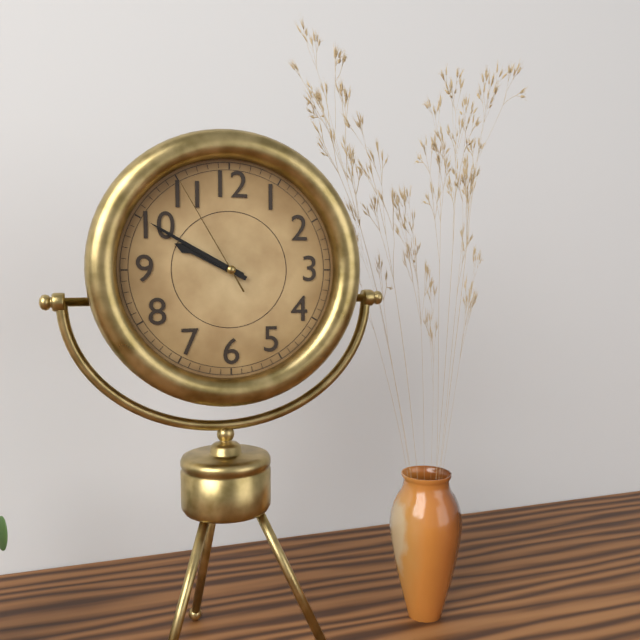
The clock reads 9,50,55
